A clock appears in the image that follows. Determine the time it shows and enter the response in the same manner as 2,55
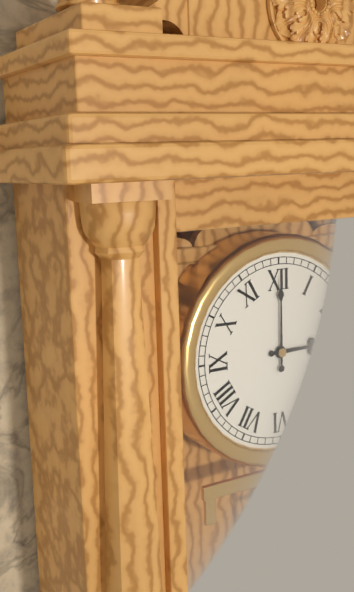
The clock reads 3,00
